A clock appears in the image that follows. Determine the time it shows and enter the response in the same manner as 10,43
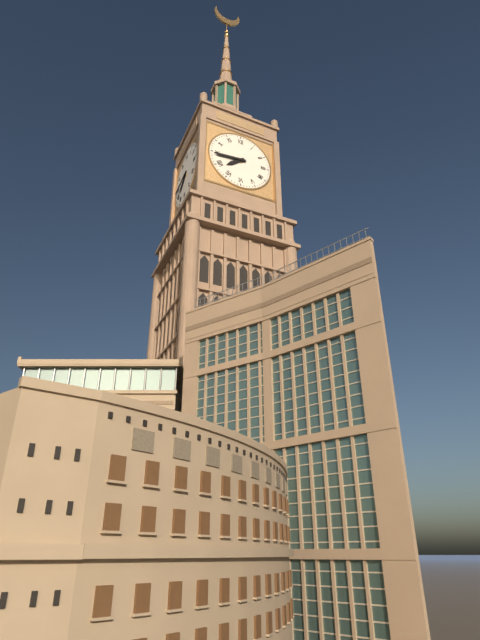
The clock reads 7,44
